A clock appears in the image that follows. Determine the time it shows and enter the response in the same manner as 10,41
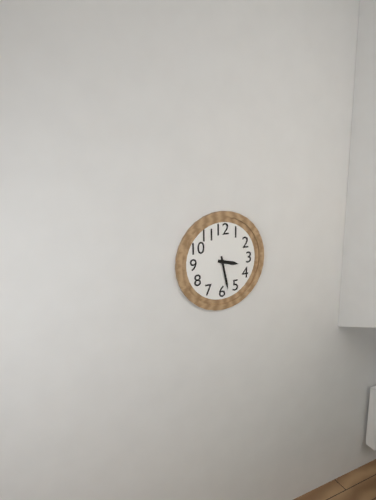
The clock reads 3,28
